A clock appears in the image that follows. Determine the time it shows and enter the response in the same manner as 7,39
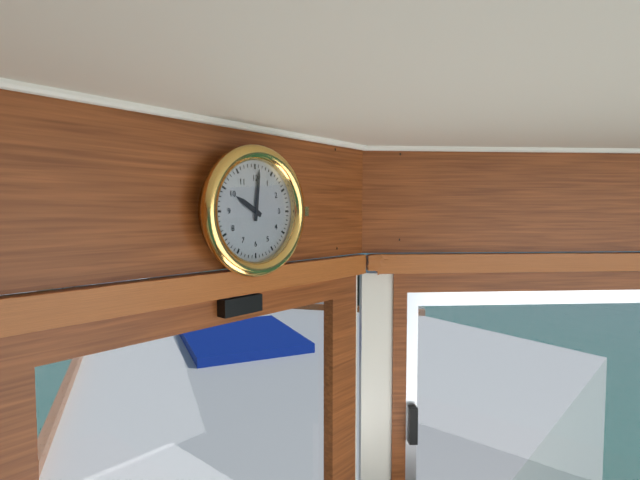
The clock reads 10,01
